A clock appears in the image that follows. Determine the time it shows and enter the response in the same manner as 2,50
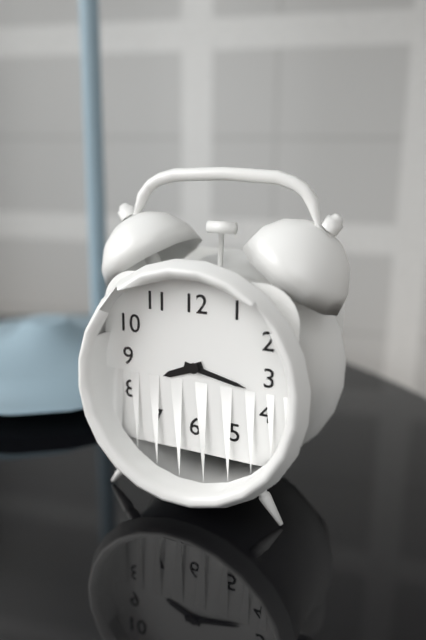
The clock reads 8,17
